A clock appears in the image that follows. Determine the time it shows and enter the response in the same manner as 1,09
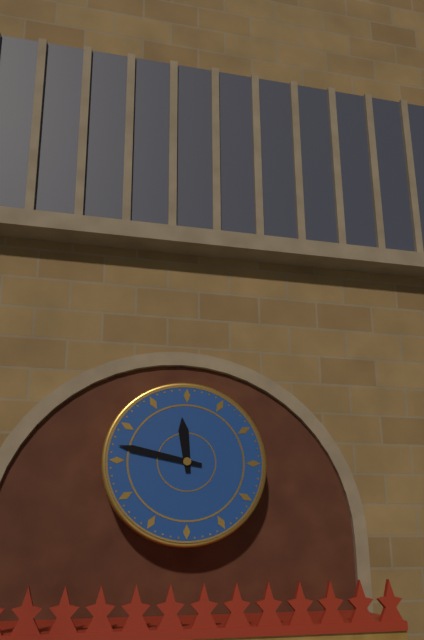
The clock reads 11,47
